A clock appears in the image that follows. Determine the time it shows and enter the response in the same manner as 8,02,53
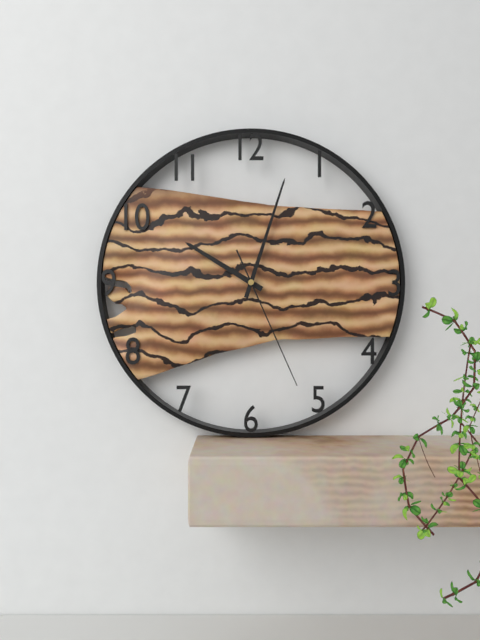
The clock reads 10,03,26
